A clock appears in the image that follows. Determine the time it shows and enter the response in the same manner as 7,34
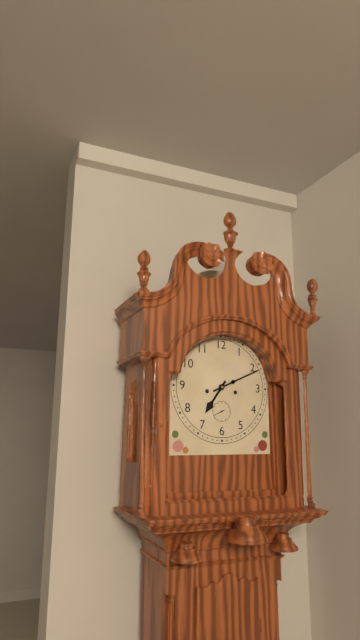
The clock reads 7,11
